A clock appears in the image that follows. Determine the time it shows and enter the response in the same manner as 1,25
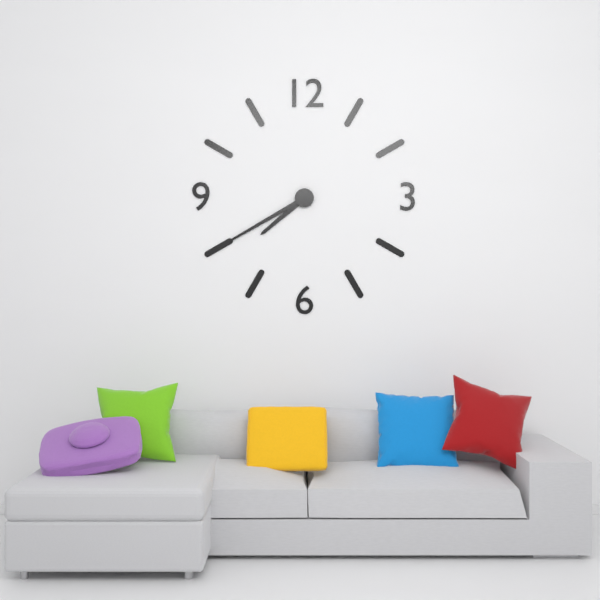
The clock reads 7,40
